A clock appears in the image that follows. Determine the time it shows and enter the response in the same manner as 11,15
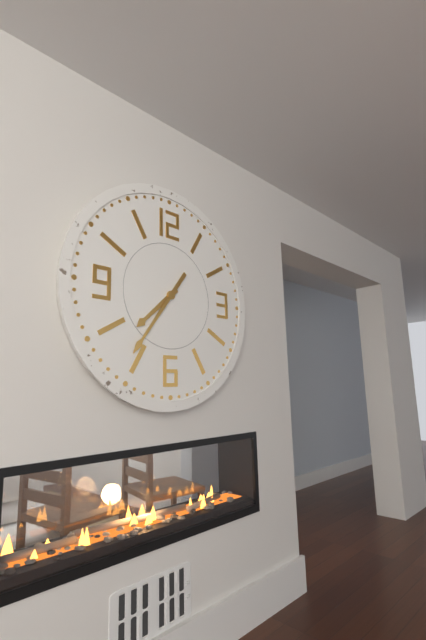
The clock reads 7,36
